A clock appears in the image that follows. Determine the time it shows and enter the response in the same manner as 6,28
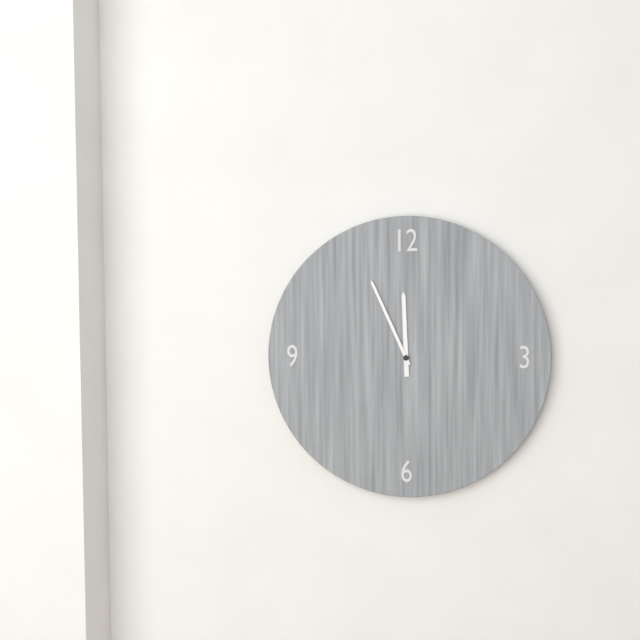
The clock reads 11,56
